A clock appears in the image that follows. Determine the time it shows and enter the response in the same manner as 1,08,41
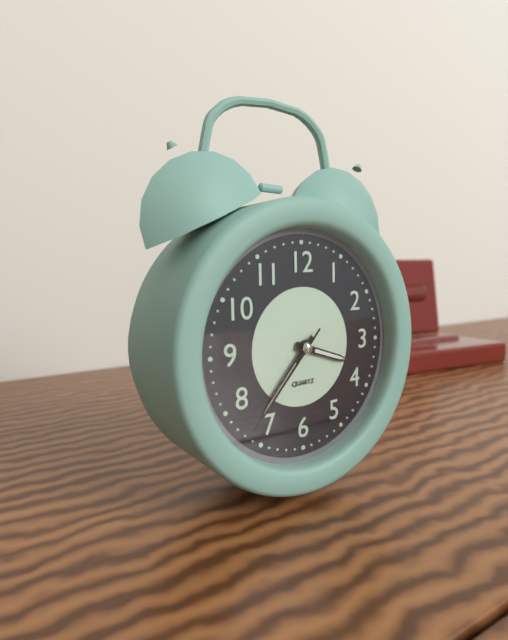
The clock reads 3,37,37
